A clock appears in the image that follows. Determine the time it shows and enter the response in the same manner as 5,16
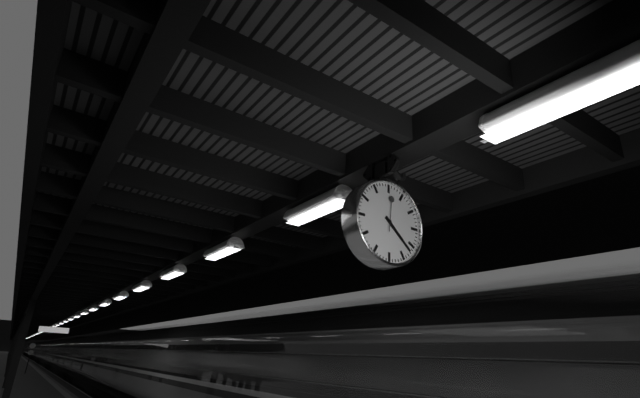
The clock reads 4,22
